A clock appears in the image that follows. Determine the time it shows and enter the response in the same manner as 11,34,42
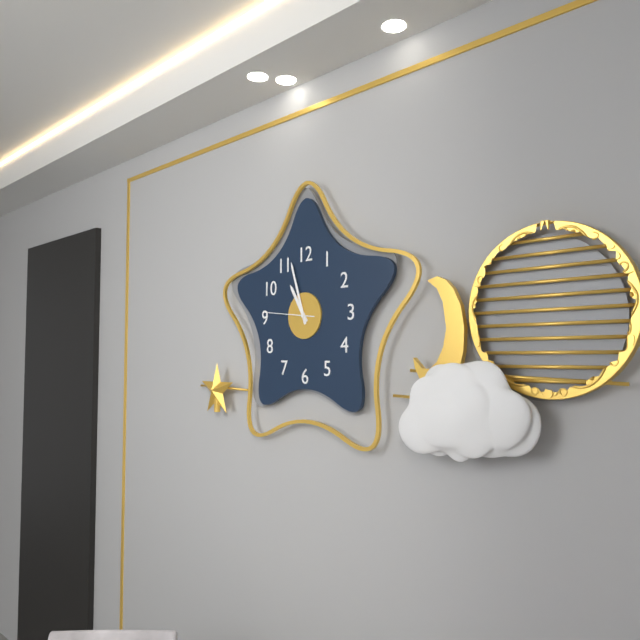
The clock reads 10,57,46
